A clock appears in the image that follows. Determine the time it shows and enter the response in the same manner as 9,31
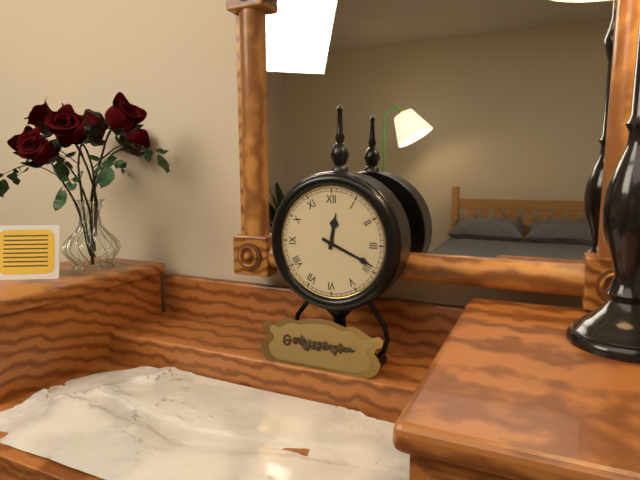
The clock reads 12,19
